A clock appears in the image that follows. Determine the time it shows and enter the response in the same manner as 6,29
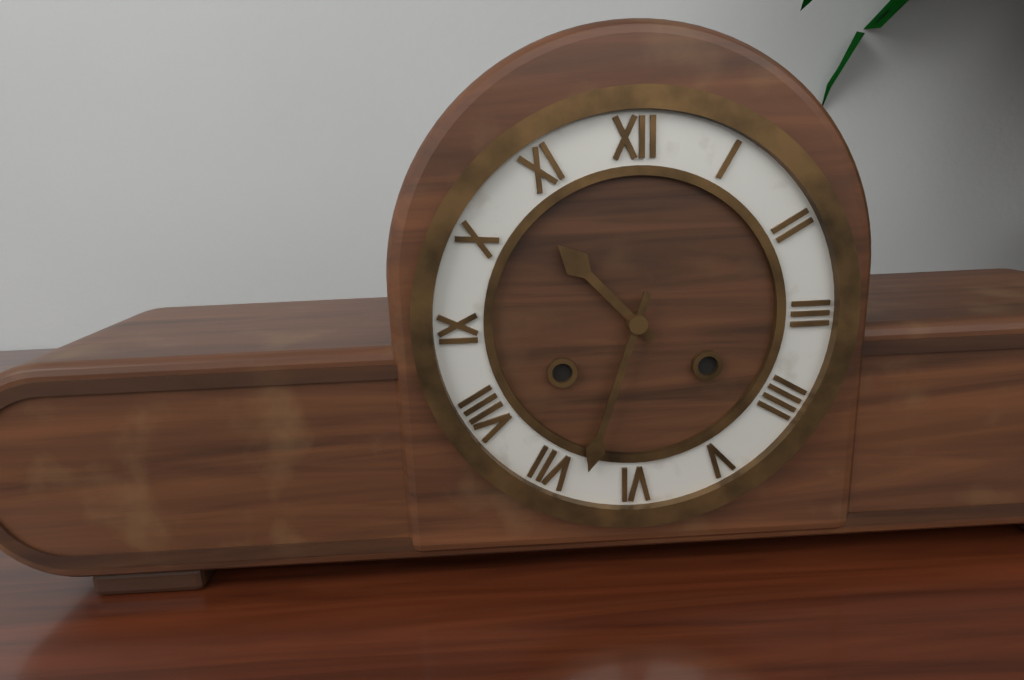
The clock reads 10,33
